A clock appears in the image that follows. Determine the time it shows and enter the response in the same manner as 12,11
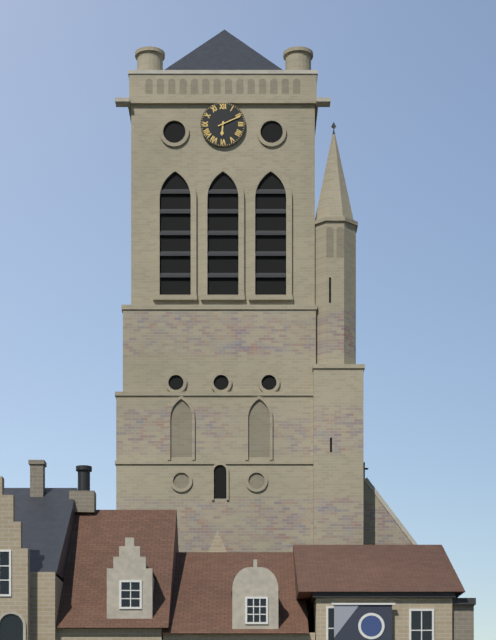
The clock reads 6,11
